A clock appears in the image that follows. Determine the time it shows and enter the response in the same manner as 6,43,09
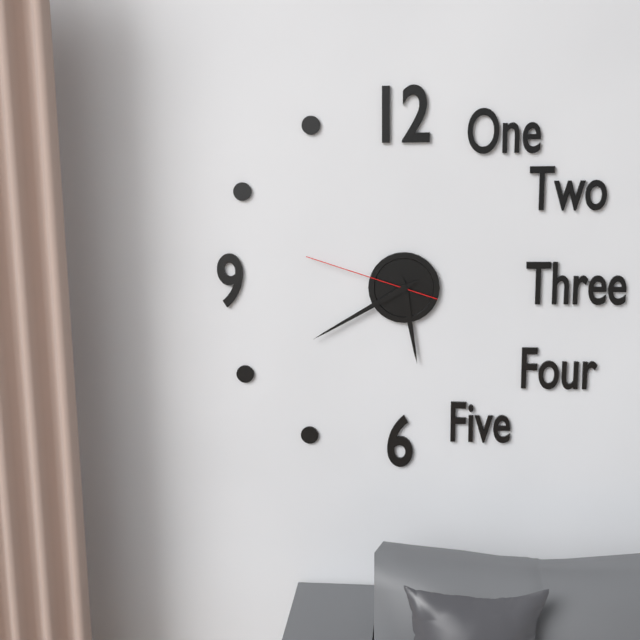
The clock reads 5,40,48
